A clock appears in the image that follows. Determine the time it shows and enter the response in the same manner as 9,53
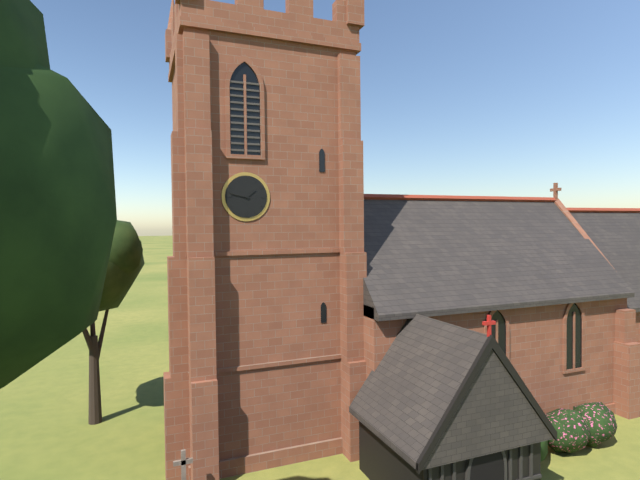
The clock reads 1,47
